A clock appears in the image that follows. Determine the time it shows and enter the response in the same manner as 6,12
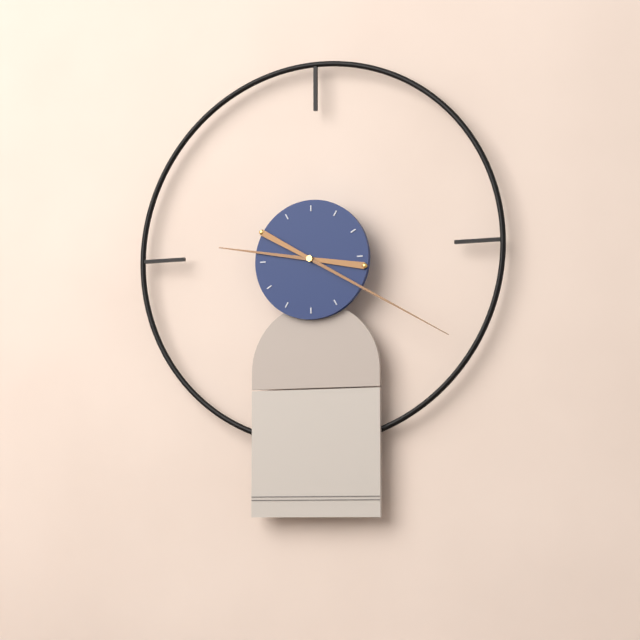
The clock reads 9,20
